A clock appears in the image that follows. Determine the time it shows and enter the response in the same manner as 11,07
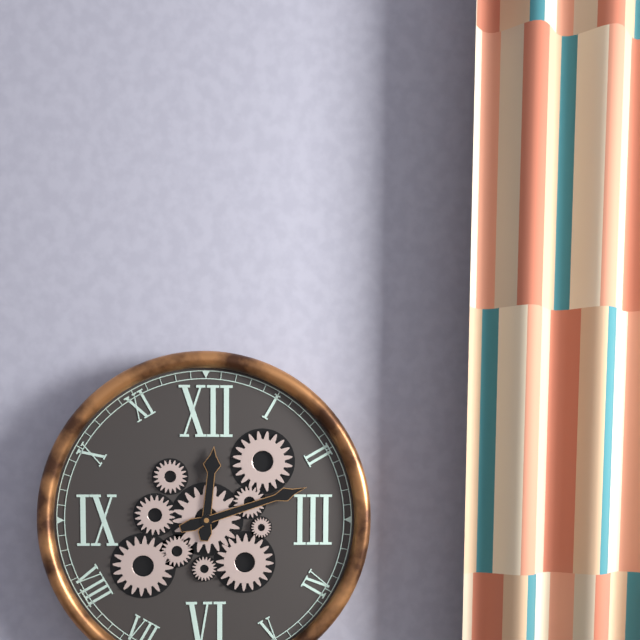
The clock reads 12,12
